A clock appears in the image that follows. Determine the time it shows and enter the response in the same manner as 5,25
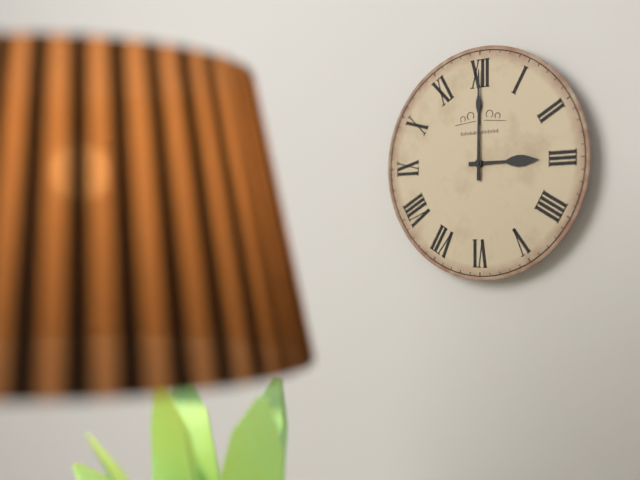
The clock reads 3,00
